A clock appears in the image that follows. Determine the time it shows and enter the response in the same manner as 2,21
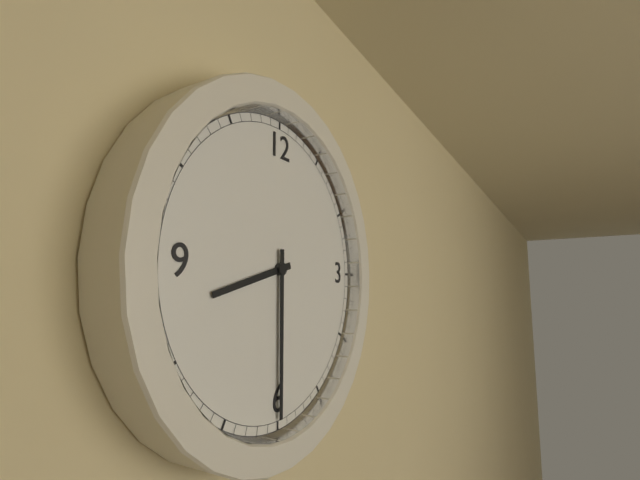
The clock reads 8,30
